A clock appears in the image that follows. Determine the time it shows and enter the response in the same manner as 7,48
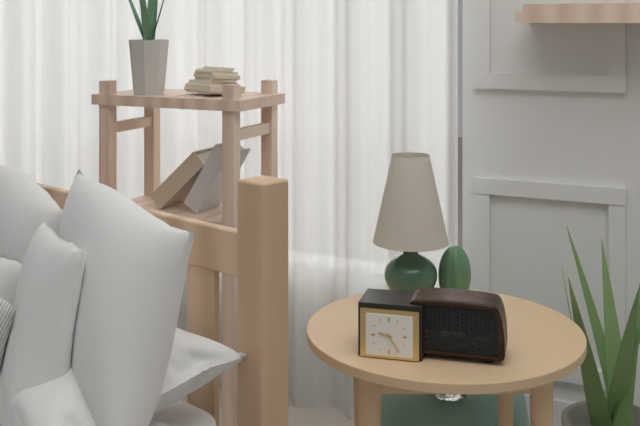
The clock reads 9,24
